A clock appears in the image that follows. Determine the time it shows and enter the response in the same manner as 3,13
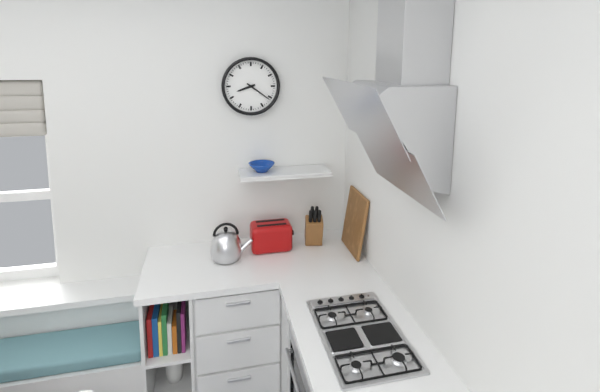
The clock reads 8,21
